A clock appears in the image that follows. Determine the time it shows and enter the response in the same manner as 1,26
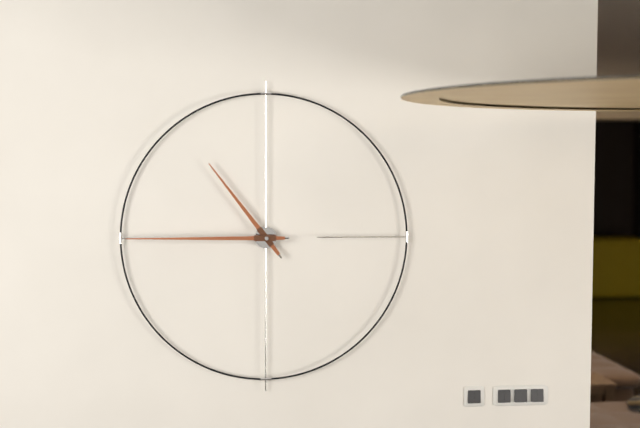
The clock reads 10,45
